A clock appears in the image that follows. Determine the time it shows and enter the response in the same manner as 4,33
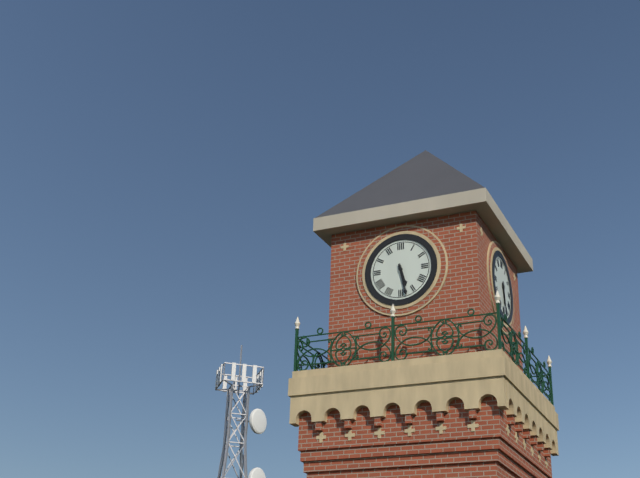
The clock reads 5,28
